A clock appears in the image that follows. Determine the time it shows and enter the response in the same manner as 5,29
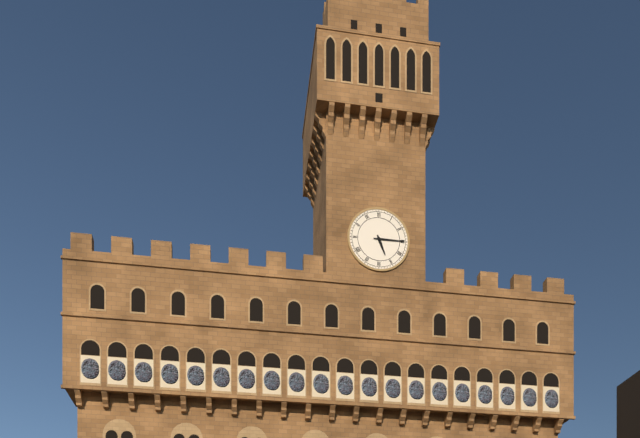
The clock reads 5,15
